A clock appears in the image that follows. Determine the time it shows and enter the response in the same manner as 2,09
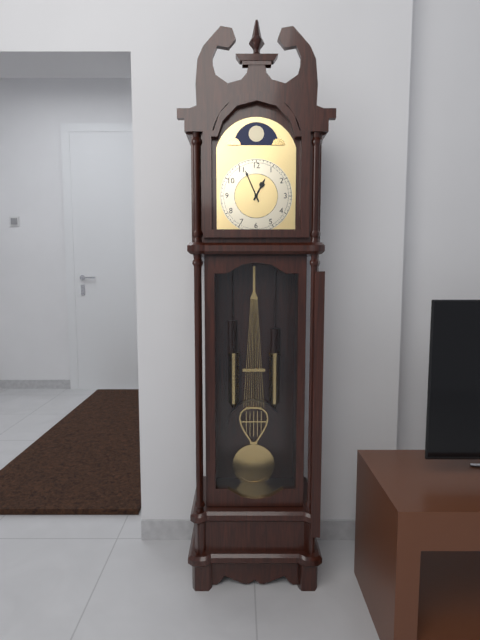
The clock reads 12,56
